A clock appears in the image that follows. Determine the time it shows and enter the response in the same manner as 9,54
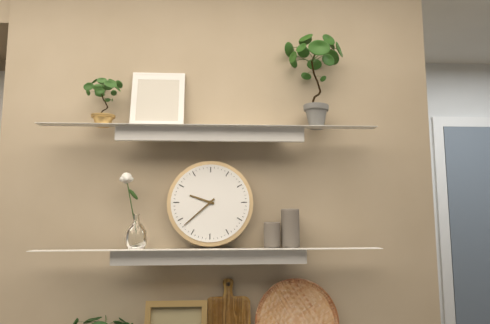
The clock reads 9,38
